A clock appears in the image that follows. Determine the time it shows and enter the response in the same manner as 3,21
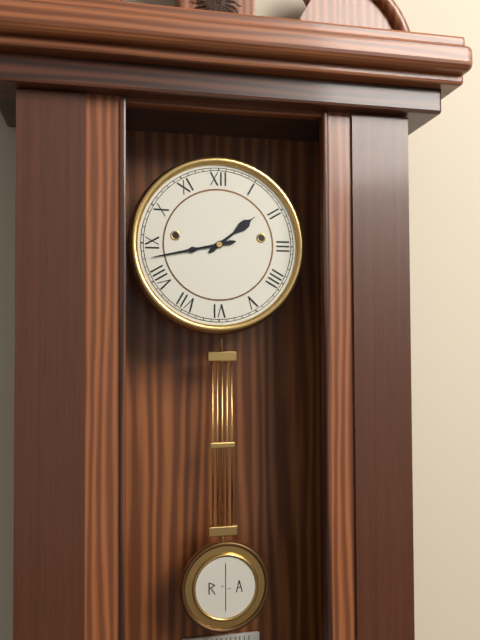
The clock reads 1,43
